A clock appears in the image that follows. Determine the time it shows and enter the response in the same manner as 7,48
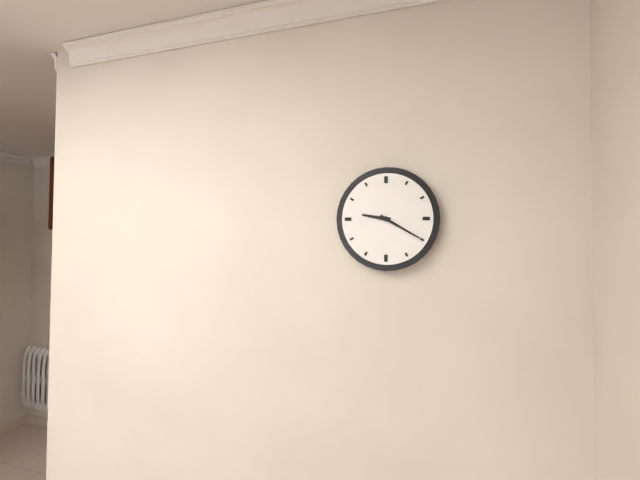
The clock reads 9,20
